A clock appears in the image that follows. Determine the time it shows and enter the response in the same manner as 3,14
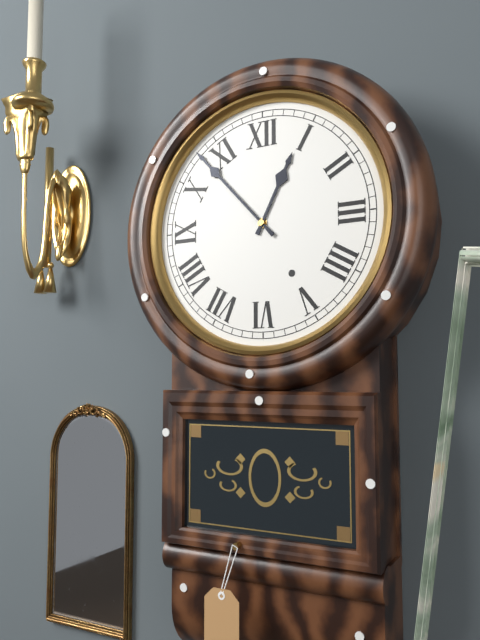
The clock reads 12,53
